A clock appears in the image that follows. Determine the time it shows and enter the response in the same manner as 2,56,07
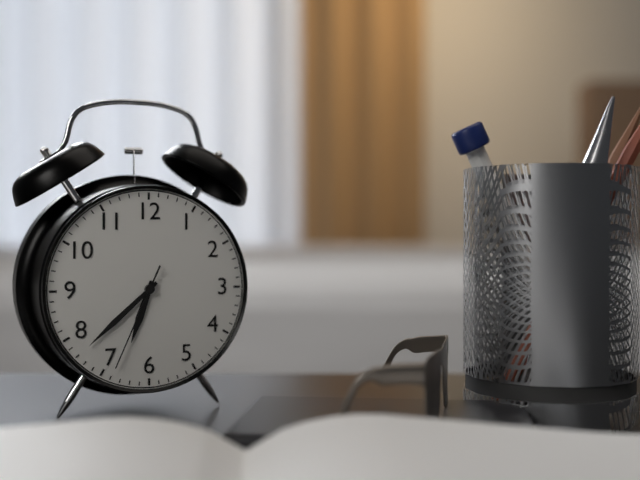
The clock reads 6,38,34
